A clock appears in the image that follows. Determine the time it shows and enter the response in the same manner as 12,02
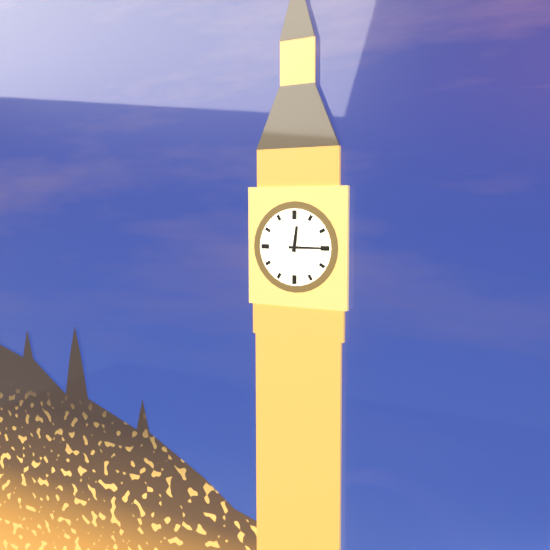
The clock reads 12,15
